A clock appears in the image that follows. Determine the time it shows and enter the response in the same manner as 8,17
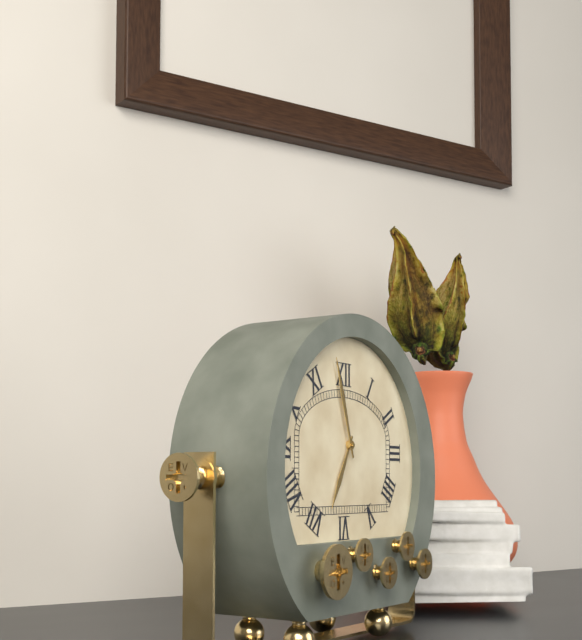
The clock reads 6,57
